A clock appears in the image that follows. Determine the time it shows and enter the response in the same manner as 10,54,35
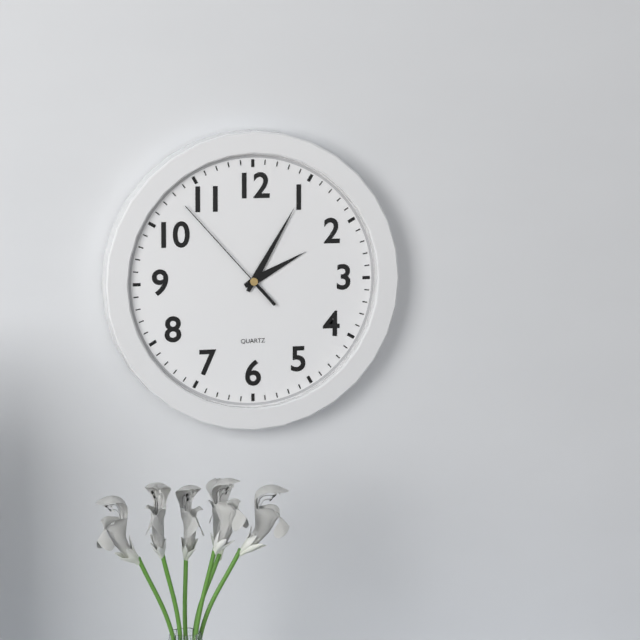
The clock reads 2,05,53
